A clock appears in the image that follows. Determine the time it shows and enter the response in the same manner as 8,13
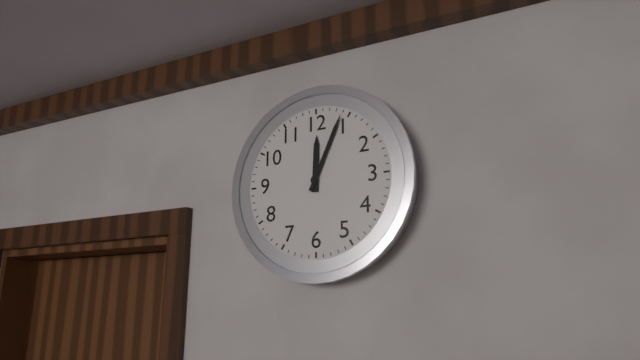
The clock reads 12,04
